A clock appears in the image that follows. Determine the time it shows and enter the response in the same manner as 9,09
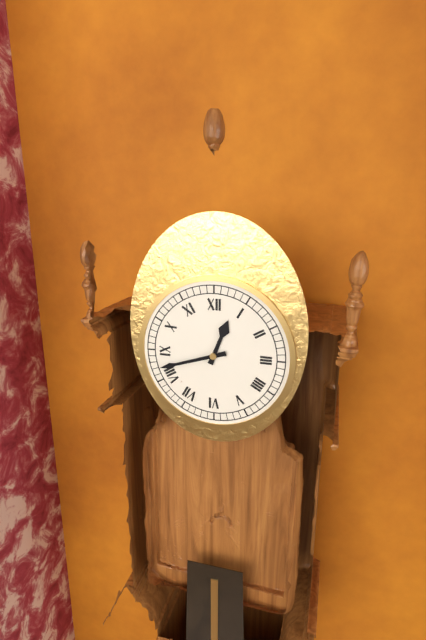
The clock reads 12,42
